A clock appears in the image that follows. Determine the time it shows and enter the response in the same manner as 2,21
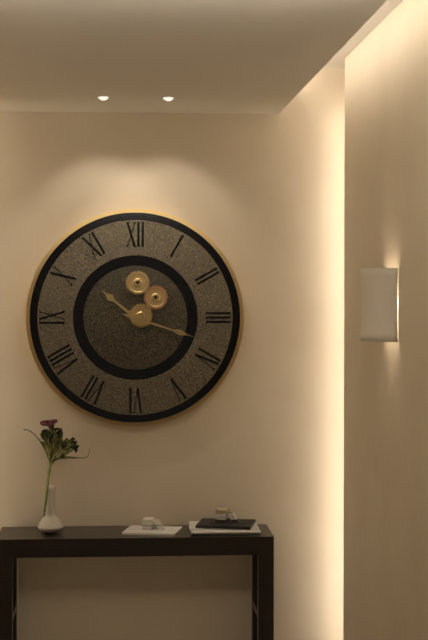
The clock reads 10,18
